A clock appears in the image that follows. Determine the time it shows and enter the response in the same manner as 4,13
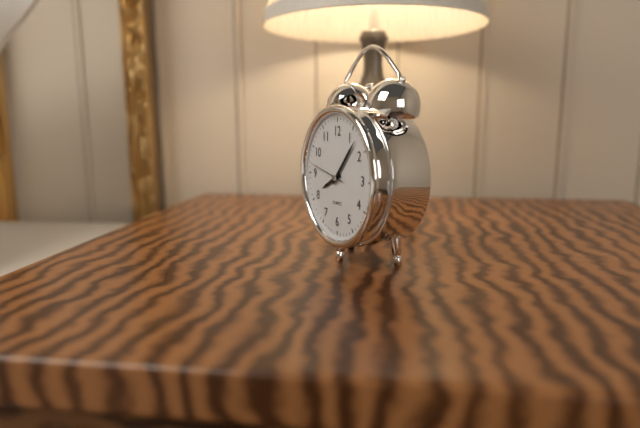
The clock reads 8,07
